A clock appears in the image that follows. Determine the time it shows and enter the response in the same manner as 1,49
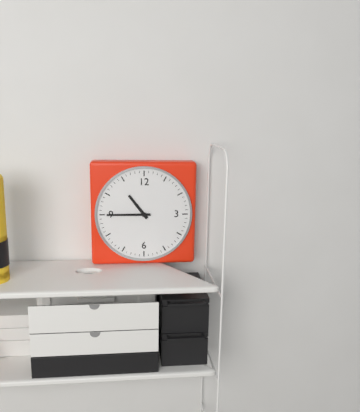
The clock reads 10,45
